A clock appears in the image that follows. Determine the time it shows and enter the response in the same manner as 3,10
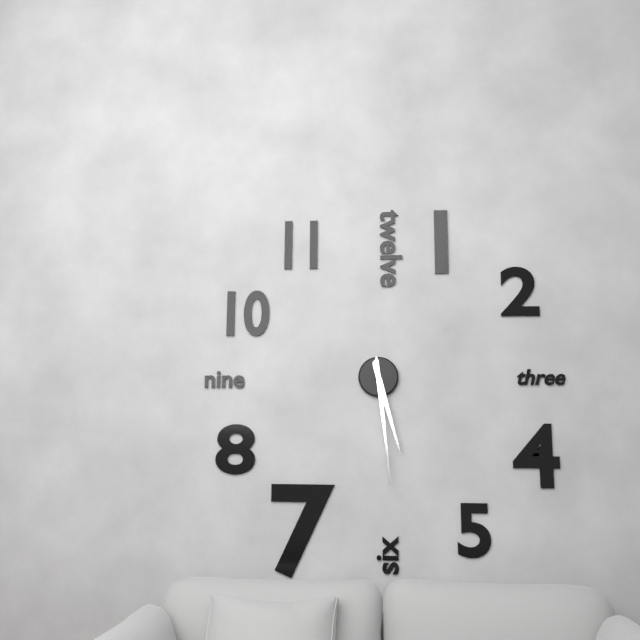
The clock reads 5,29
